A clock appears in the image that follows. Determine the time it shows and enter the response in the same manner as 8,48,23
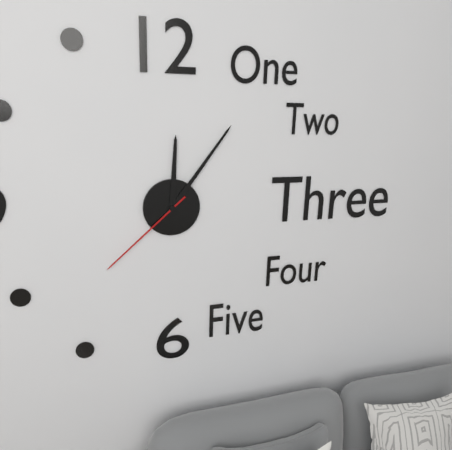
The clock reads 12,06,38
